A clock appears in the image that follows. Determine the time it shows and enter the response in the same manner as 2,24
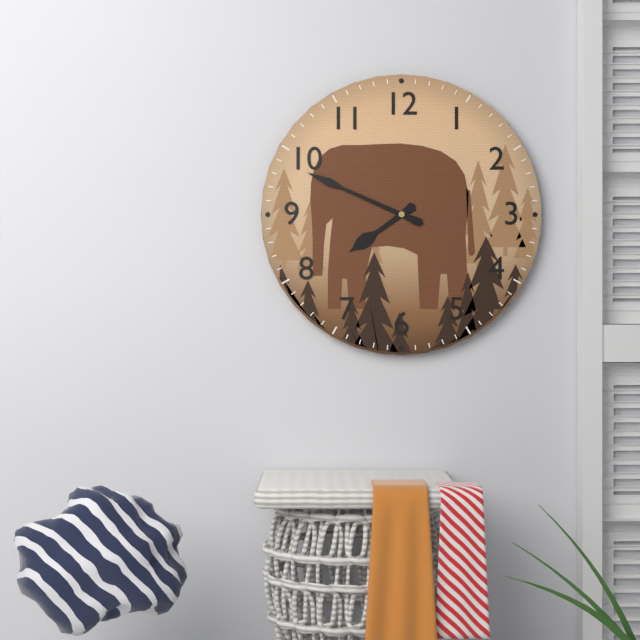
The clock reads 7,49
